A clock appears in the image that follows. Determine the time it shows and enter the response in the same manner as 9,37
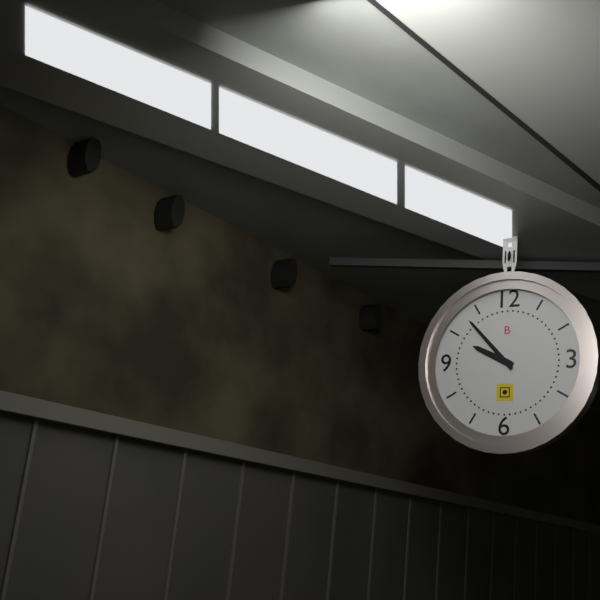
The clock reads 9,53
